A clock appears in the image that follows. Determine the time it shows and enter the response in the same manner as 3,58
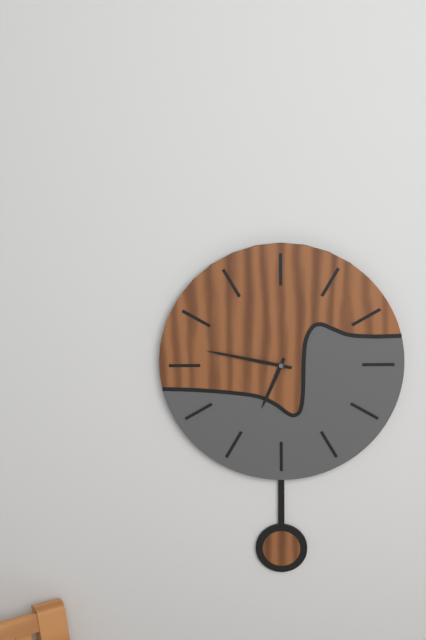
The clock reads 6,47
